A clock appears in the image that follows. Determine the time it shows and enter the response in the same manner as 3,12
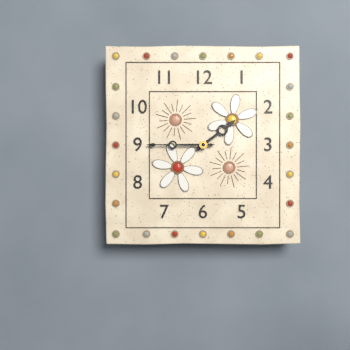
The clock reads 1,45
